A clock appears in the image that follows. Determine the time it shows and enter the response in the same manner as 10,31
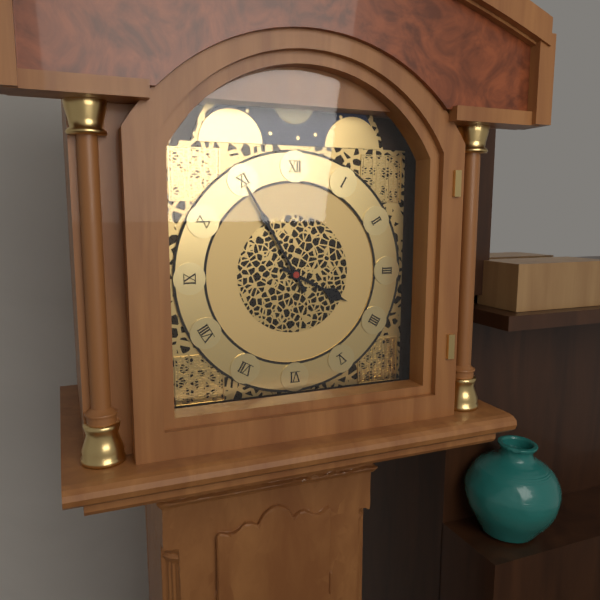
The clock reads 3,55
